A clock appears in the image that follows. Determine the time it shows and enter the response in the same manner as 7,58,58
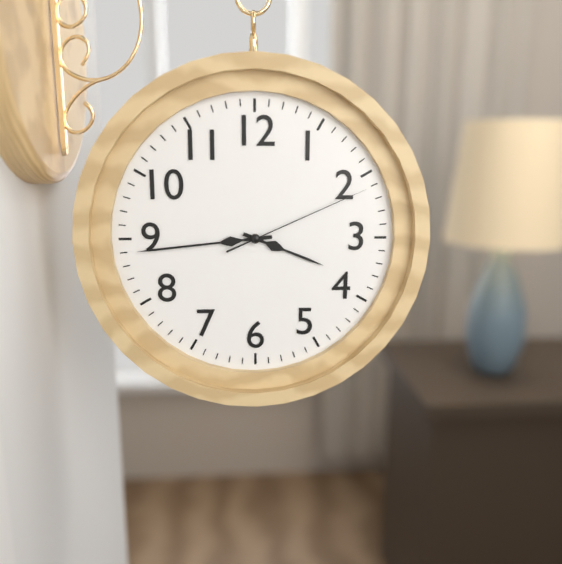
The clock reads 3,44,11
